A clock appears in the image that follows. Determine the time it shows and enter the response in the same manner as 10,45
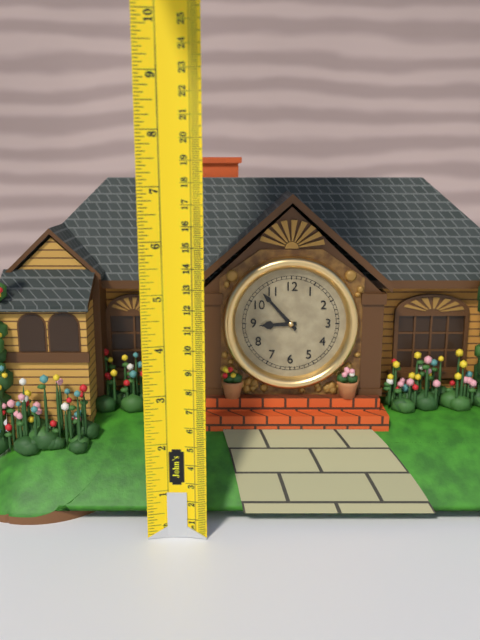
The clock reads 8,53
